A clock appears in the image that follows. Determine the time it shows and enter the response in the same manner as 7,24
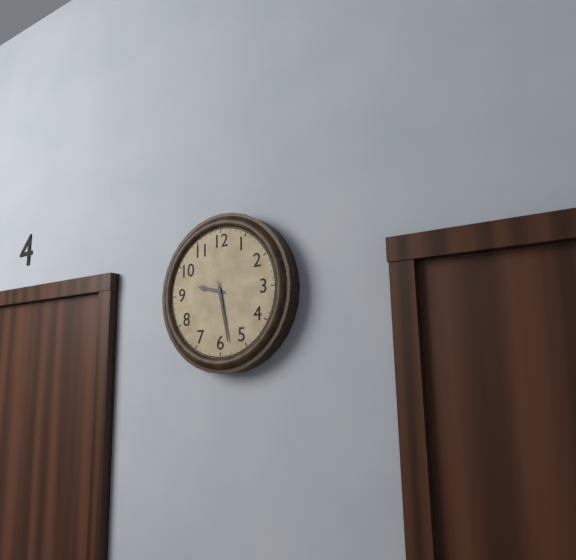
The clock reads 9,28
